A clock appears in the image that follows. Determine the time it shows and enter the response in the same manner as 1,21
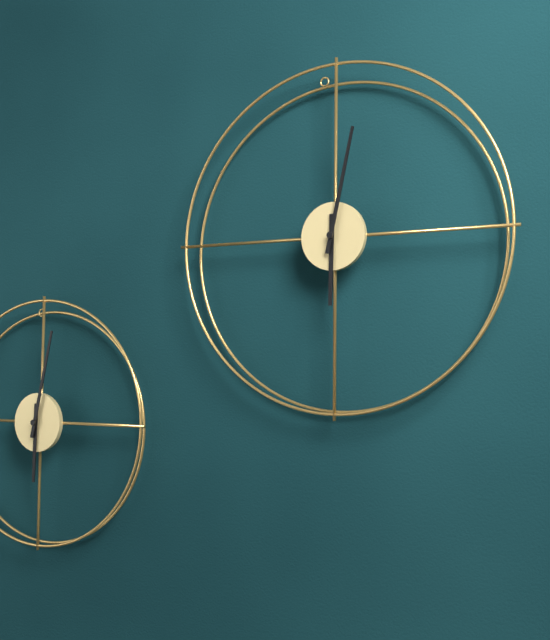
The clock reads 6,02
